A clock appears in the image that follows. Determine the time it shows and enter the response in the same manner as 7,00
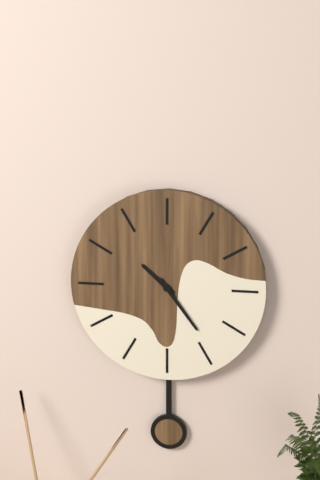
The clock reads 10,24
